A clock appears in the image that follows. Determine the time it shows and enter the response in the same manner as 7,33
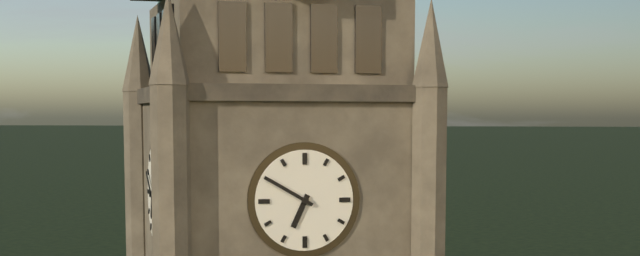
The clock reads 6,50
